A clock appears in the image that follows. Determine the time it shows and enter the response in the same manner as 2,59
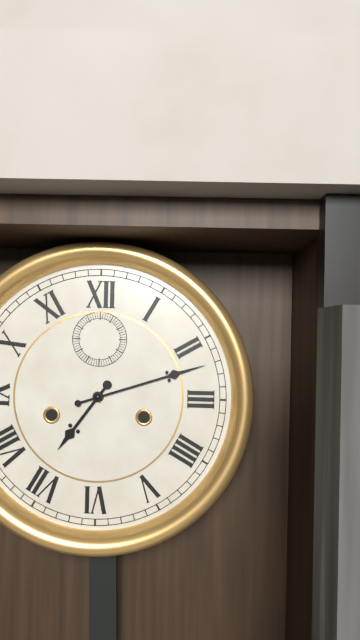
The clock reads 7,12
